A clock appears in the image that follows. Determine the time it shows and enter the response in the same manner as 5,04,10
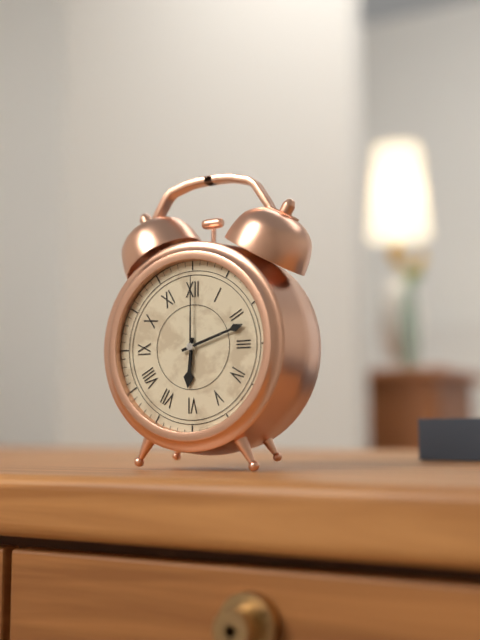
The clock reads 6,12,00
